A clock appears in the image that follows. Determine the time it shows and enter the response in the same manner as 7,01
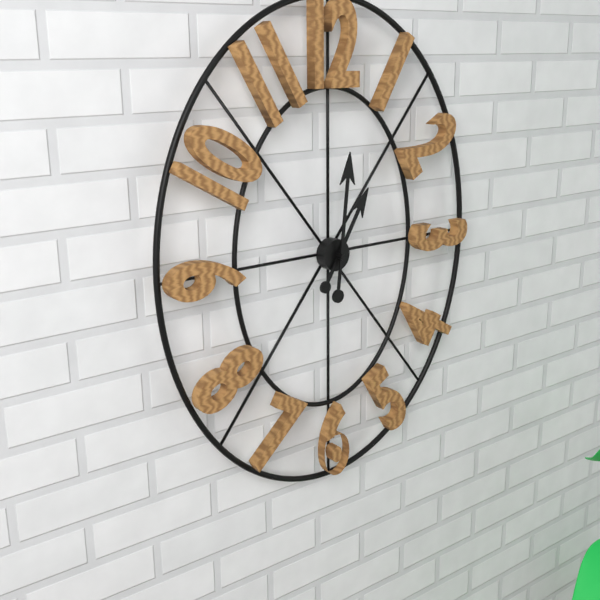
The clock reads 1,01
